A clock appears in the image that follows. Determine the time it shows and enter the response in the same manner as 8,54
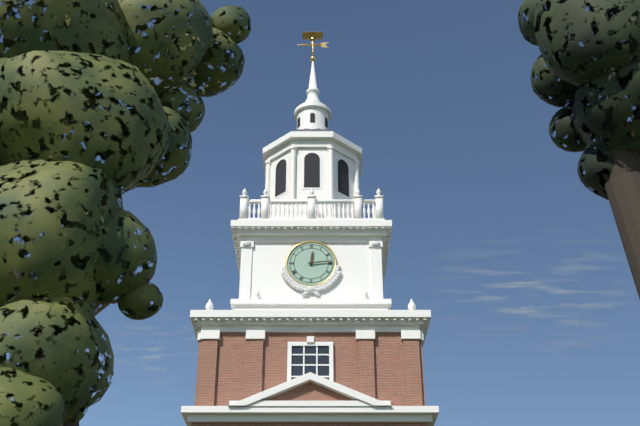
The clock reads 12,14
